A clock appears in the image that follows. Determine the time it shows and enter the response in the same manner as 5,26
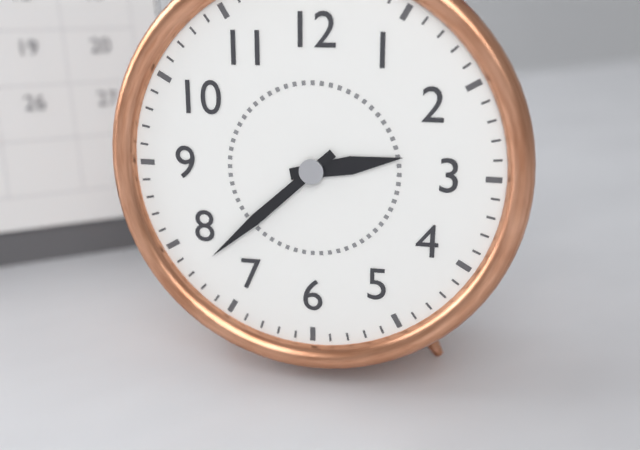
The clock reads 2,38
